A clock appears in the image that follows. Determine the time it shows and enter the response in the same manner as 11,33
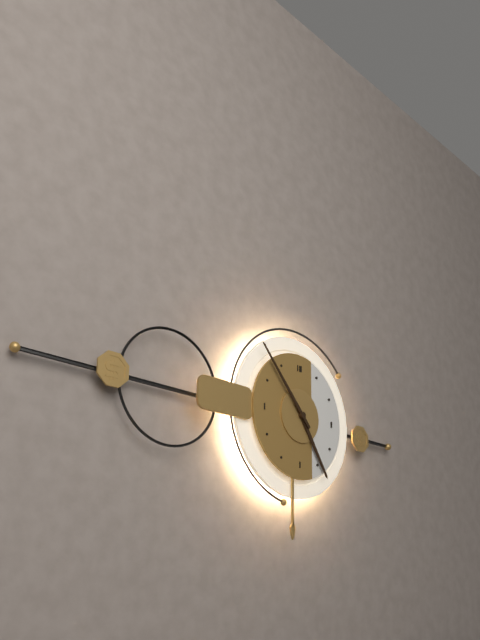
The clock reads 4,53
